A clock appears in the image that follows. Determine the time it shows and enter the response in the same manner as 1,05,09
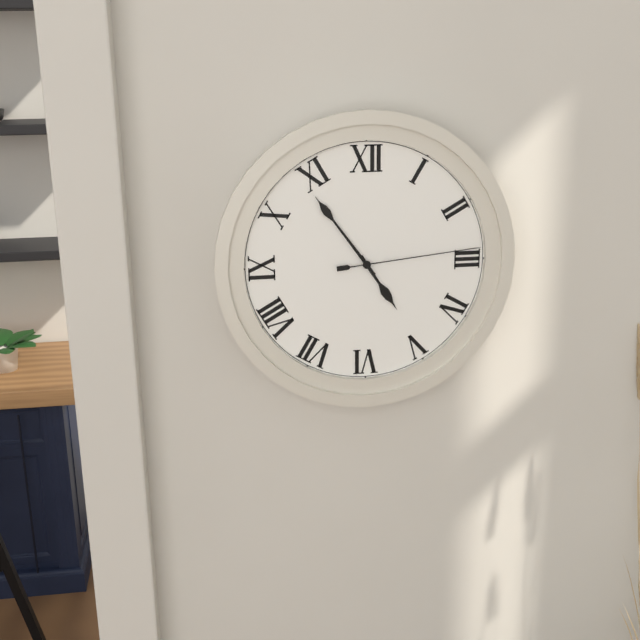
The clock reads 4,54,14
